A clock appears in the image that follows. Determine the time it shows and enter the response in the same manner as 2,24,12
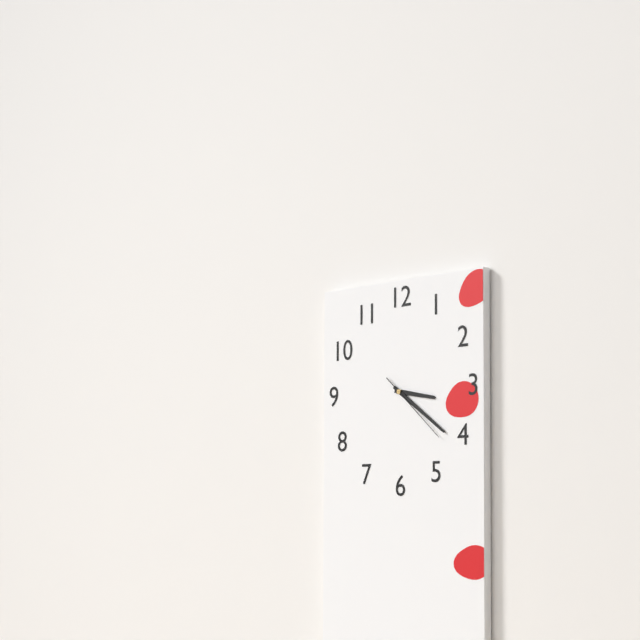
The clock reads 3,21,22
